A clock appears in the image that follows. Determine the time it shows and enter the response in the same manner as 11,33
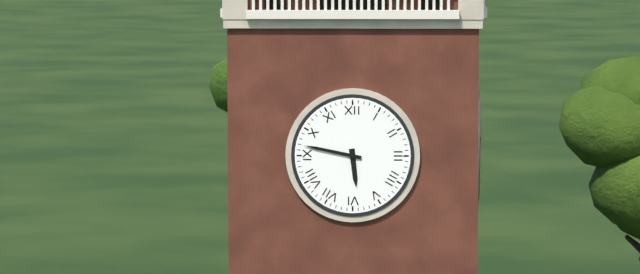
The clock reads 5,47
